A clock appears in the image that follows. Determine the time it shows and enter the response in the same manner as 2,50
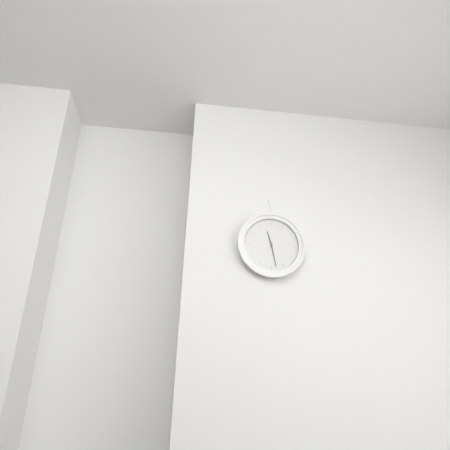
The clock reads 11,28
